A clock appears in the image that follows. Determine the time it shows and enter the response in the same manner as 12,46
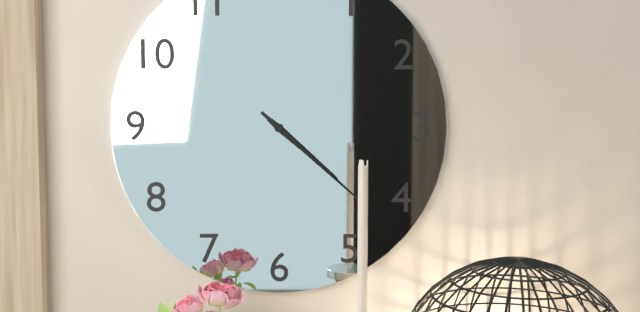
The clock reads 4,22
